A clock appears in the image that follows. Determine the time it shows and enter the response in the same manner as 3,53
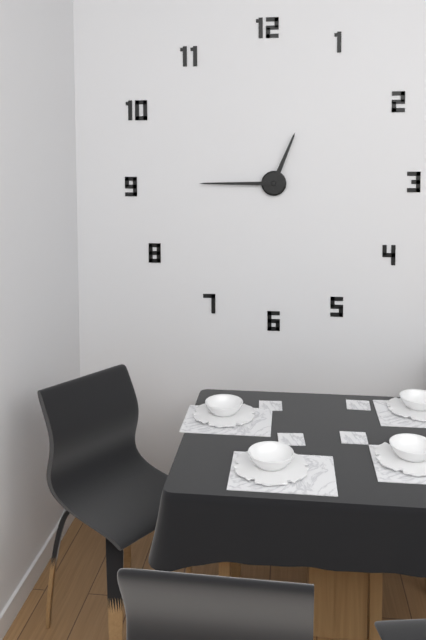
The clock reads 12,45
